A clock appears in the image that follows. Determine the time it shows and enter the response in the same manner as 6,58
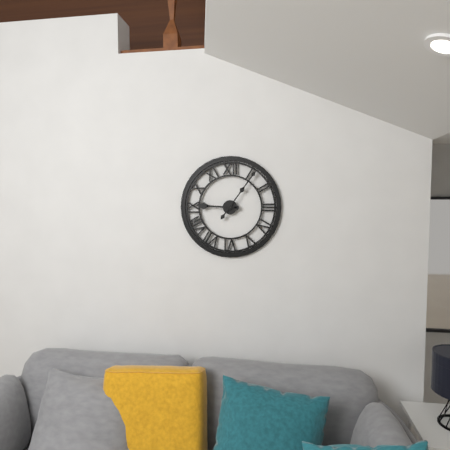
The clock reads 9,06
